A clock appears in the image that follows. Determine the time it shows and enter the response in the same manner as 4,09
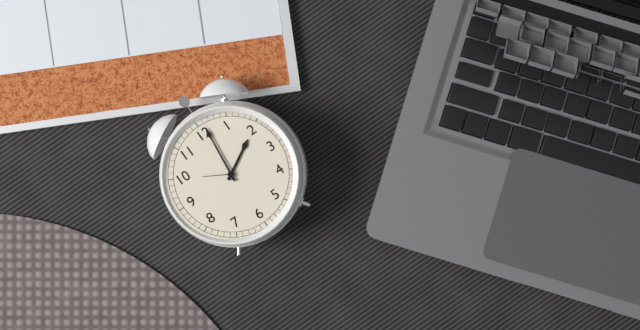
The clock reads 2,01
